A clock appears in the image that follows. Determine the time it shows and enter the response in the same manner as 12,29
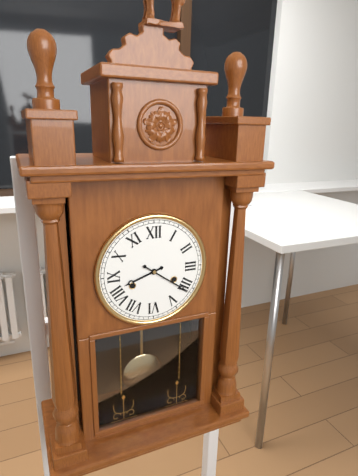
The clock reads 8,21
